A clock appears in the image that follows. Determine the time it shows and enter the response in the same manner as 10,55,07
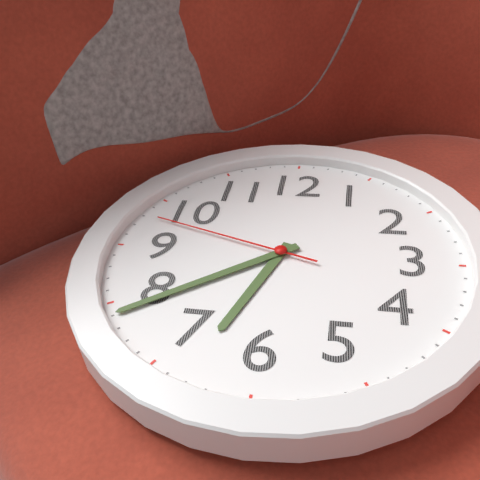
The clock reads 6,39,48
